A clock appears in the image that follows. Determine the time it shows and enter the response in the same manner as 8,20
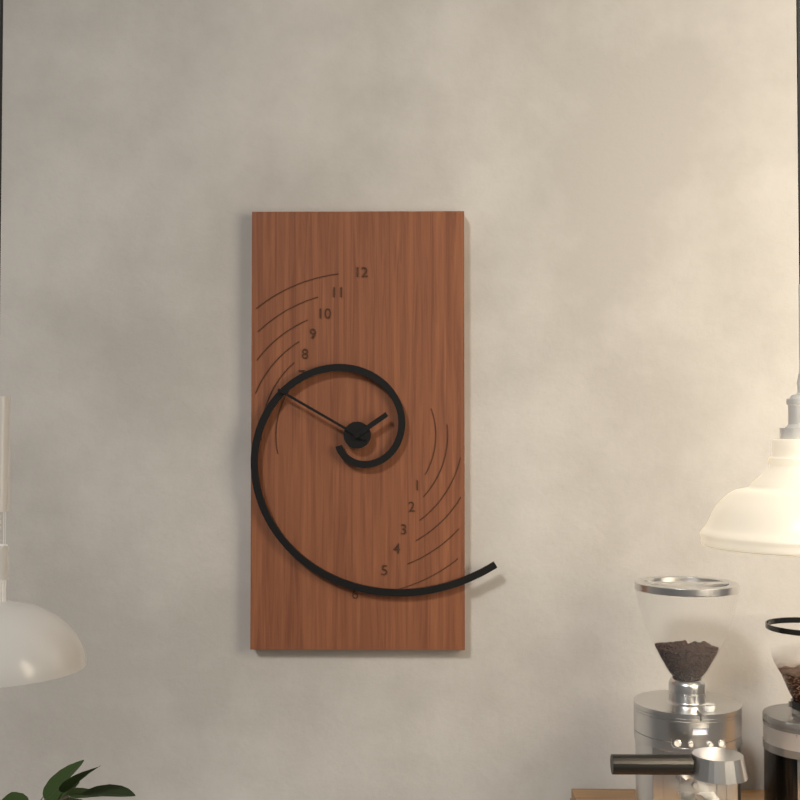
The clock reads 1,50
